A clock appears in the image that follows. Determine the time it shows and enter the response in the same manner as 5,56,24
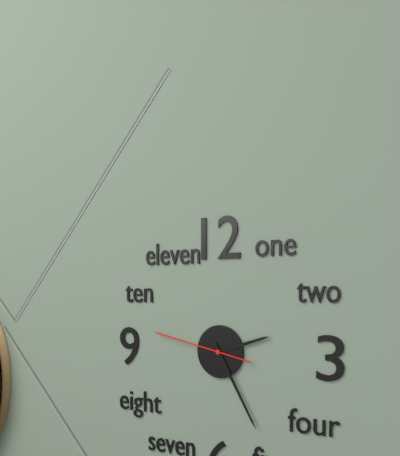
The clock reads 2,25,47
